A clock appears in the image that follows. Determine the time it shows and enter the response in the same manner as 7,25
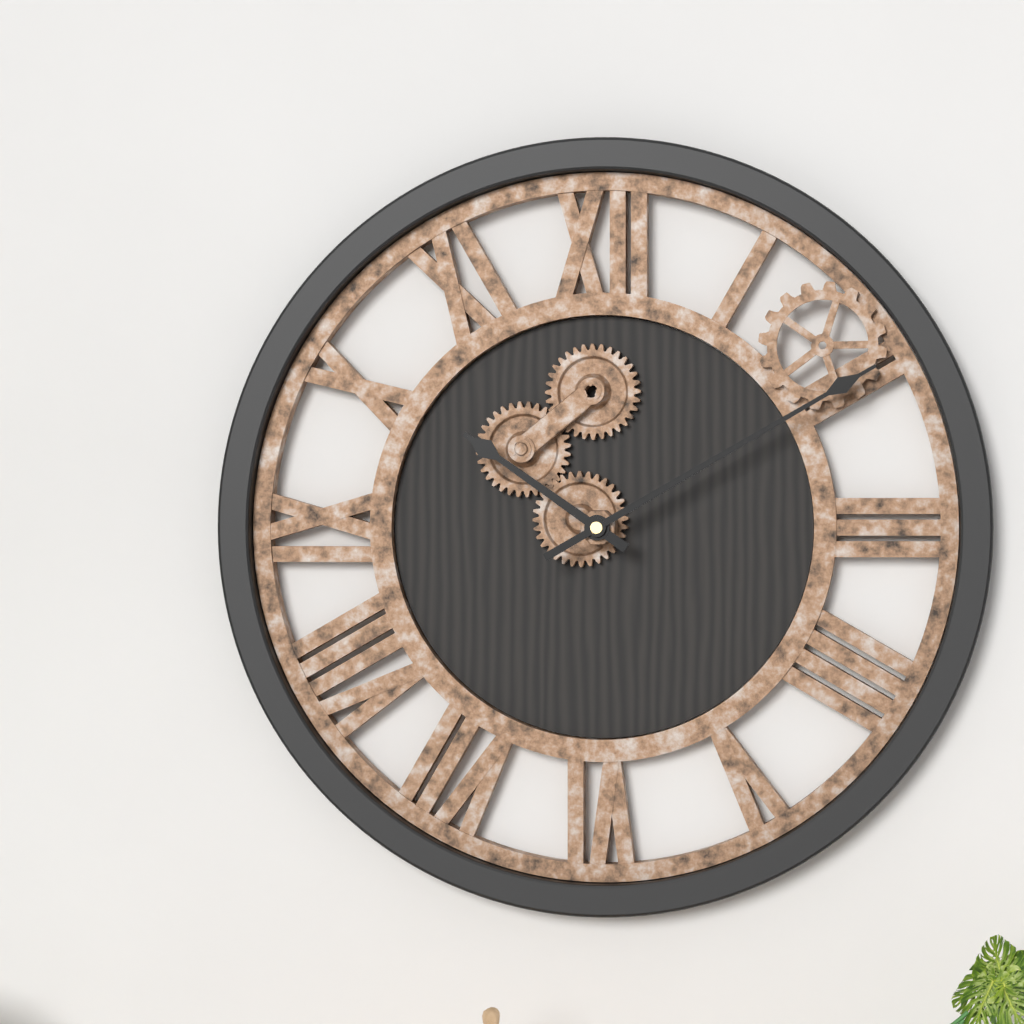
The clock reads 10,10
